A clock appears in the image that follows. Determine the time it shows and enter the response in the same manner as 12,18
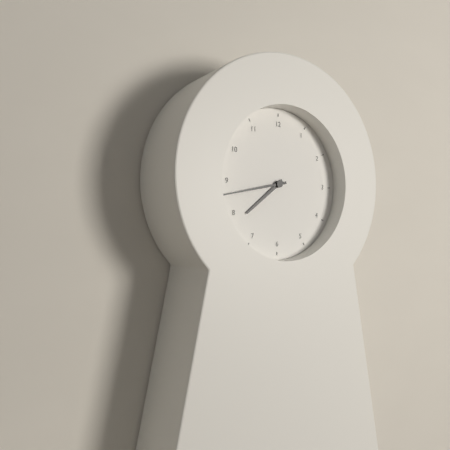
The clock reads 7,43
